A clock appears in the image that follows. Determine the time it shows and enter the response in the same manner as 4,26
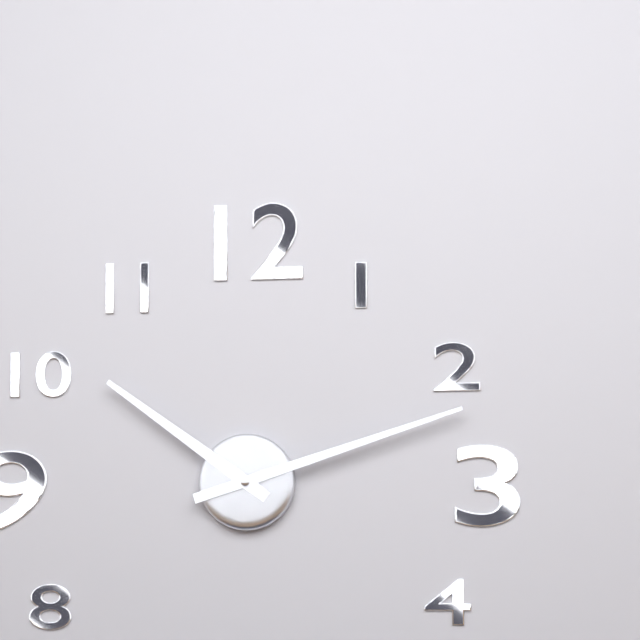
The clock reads 10,12
